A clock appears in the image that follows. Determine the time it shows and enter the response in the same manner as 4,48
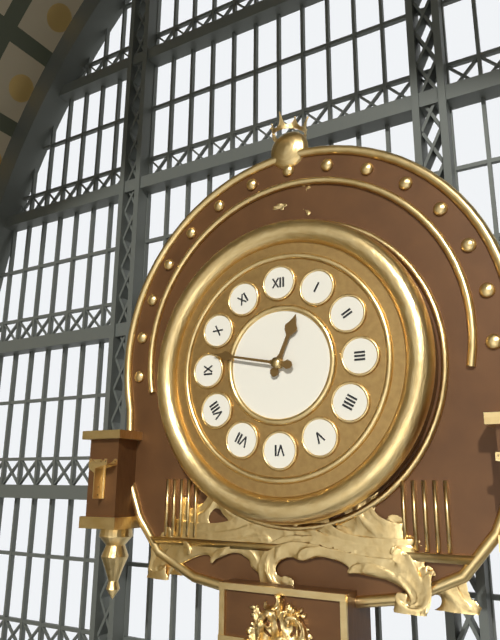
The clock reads 12,47
